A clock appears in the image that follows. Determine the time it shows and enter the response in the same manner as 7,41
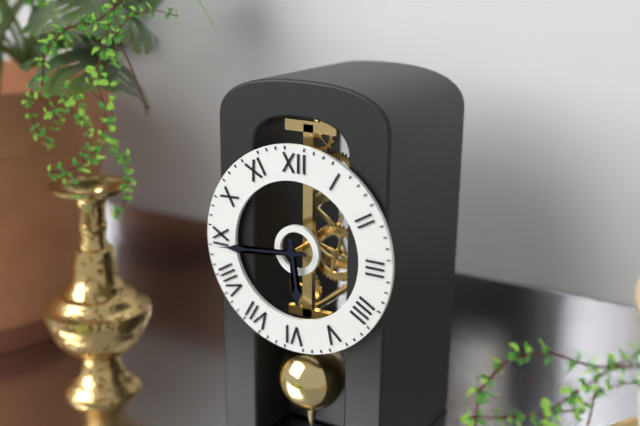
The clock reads 5,44
